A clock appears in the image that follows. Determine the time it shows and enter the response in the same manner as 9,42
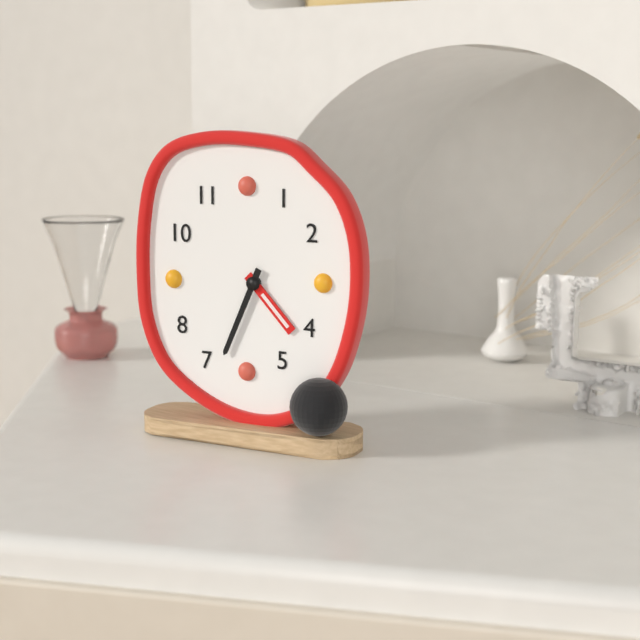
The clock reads 4,34
